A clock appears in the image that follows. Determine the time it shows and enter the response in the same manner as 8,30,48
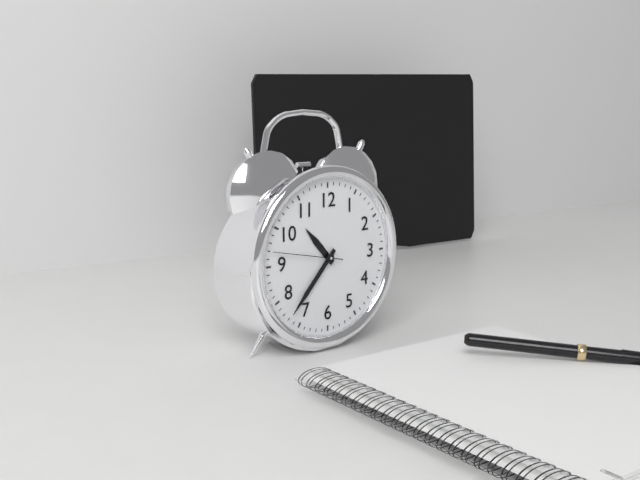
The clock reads 10,37,47
